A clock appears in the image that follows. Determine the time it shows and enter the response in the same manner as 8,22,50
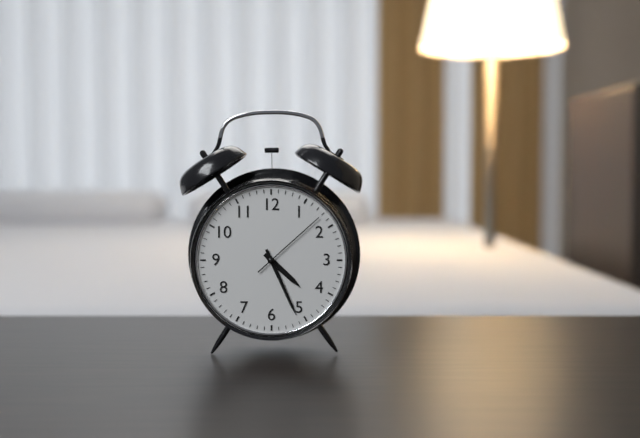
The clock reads 4,26,08
